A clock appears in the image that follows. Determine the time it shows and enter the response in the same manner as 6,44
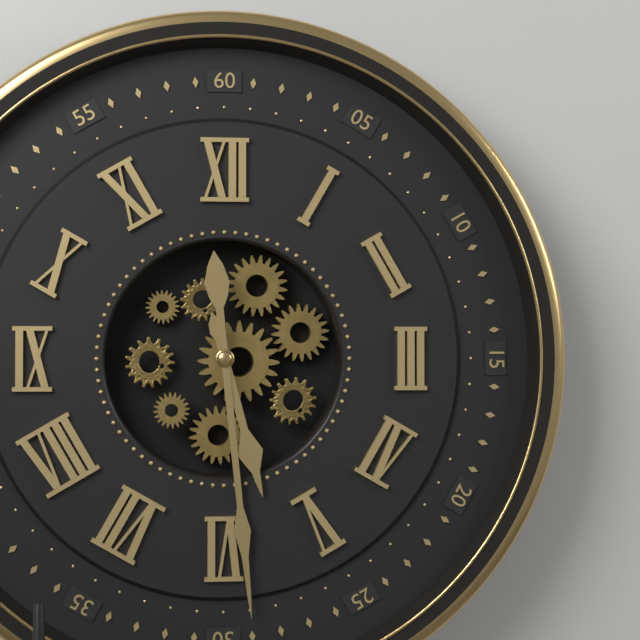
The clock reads 5,29
